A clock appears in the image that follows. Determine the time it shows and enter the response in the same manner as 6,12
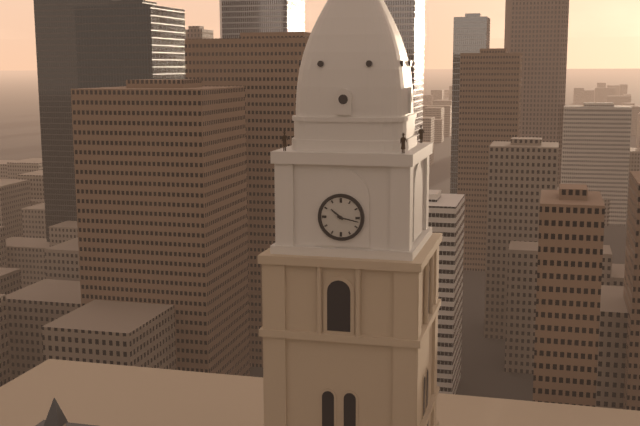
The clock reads 10,17
